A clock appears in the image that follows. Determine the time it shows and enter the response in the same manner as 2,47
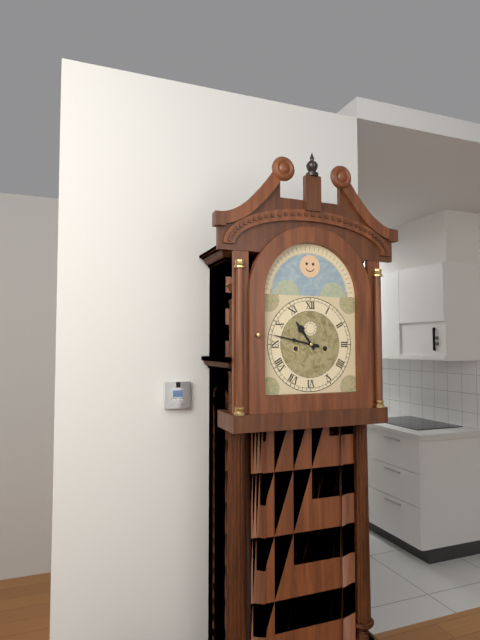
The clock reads 10,47
